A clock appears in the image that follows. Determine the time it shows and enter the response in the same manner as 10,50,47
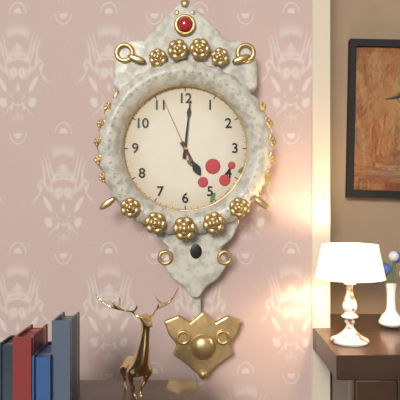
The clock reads 5,01,56
